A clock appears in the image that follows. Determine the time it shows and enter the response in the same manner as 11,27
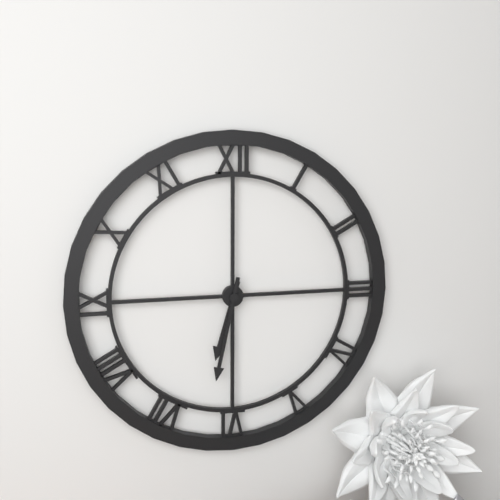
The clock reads 6,32
